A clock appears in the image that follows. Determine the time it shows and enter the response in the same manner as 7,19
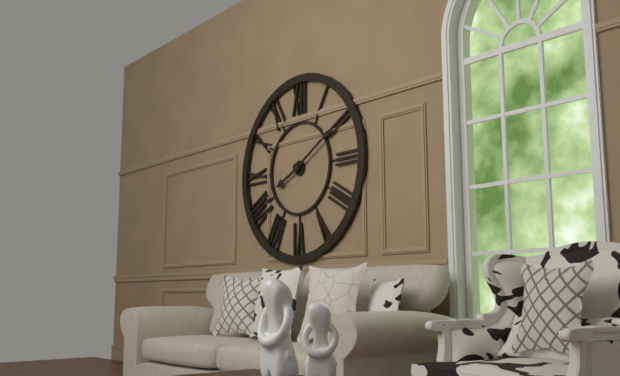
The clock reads 8,10
